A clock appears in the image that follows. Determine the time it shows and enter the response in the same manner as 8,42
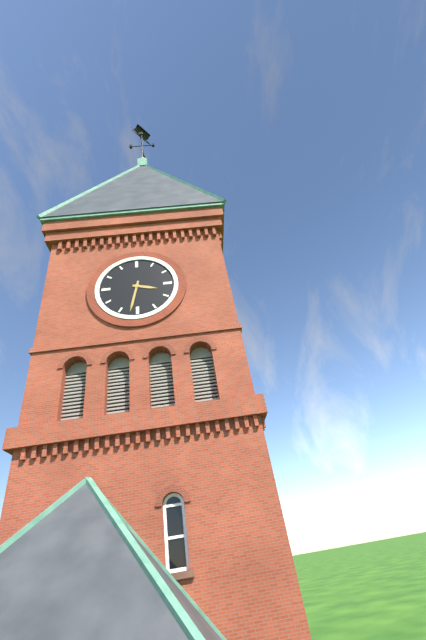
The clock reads 3,32
